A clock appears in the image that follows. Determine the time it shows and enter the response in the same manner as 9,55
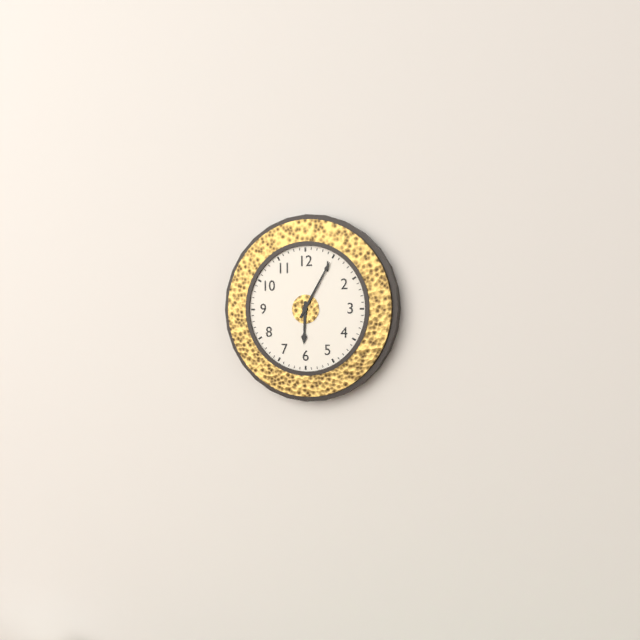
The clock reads 6,05
